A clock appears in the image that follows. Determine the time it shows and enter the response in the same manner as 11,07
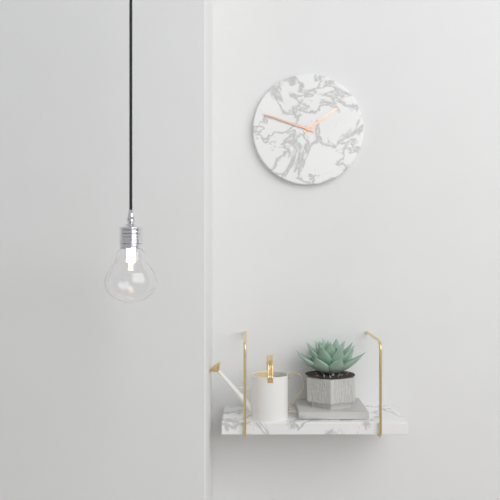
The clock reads 1,48
